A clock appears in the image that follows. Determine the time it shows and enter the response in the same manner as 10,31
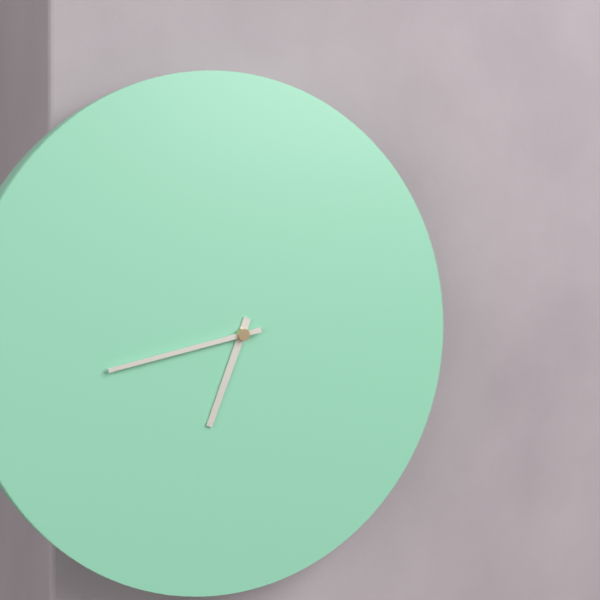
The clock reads 6,43
